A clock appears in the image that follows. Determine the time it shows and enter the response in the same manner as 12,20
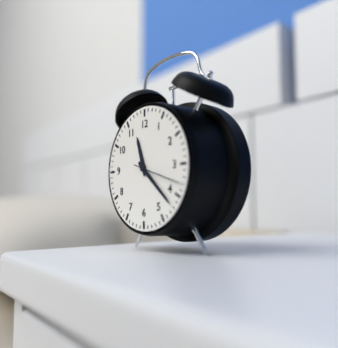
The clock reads 11,22
